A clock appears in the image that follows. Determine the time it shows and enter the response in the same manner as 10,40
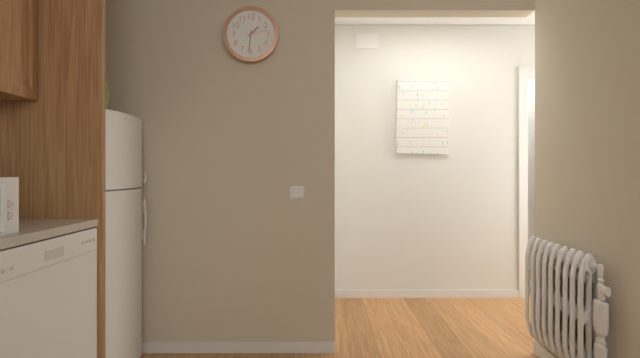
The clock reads 1,31
